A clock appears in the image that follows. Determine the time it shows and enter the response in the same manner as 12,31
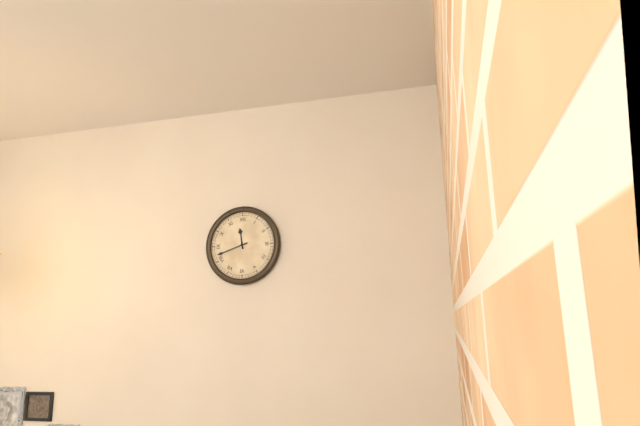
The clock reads 11,42
